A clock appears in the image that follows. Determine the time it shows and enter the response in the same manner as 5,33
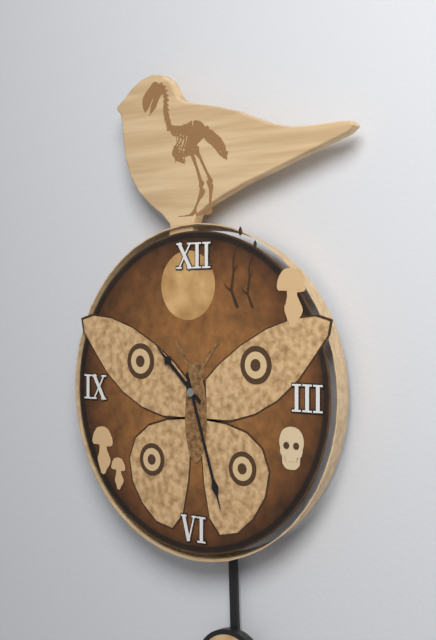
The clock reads 10,27
